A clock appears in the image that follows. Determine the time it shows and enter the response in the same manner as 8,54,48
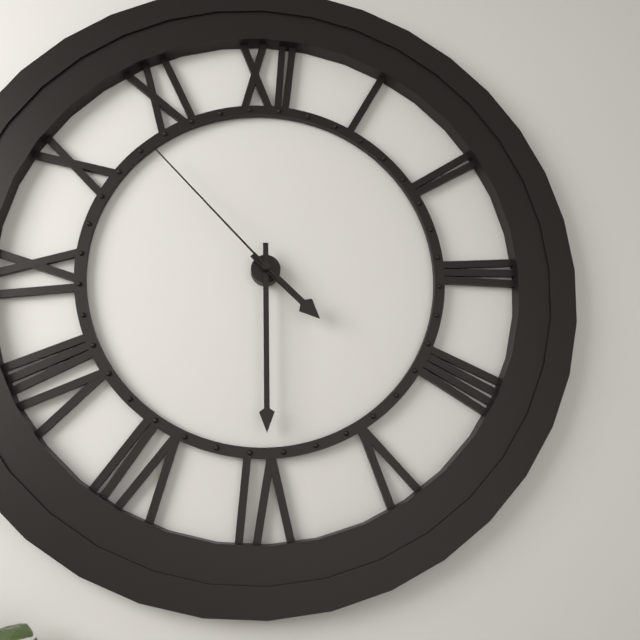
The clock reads 4,30,53
